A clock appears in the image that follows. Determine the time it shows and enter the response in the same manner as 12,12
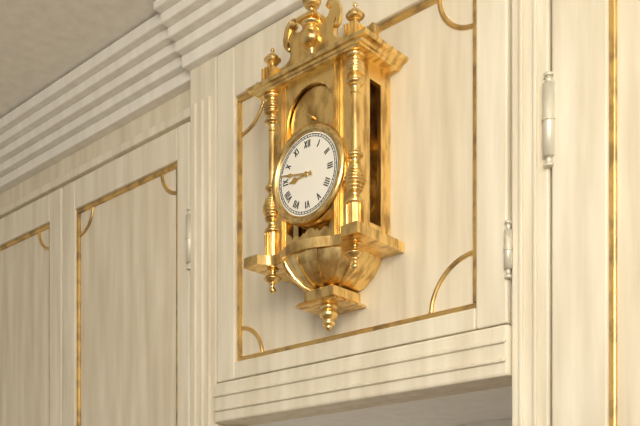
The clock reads 8,47
